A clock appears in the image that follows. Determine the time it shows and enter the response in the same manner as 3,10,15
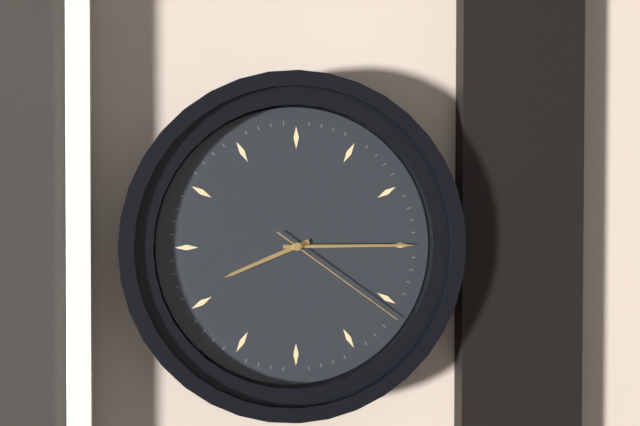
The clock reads 8,15,21
